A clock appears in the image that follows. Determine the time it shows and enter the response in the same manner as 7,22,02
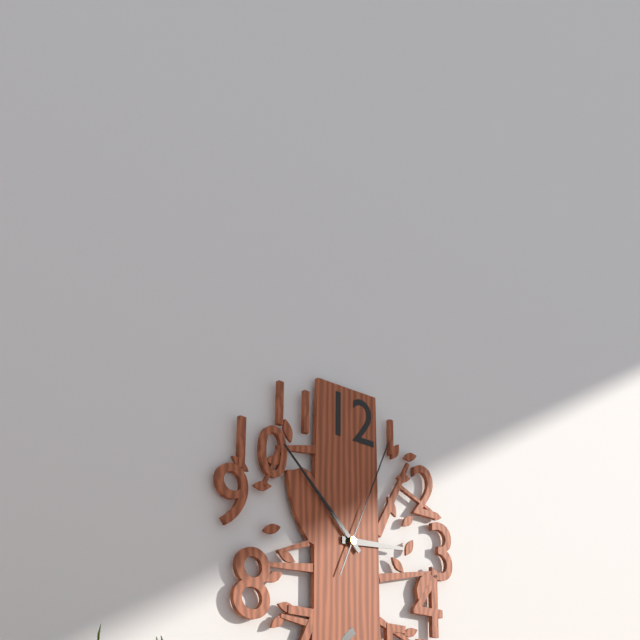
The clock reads 2,52,04
